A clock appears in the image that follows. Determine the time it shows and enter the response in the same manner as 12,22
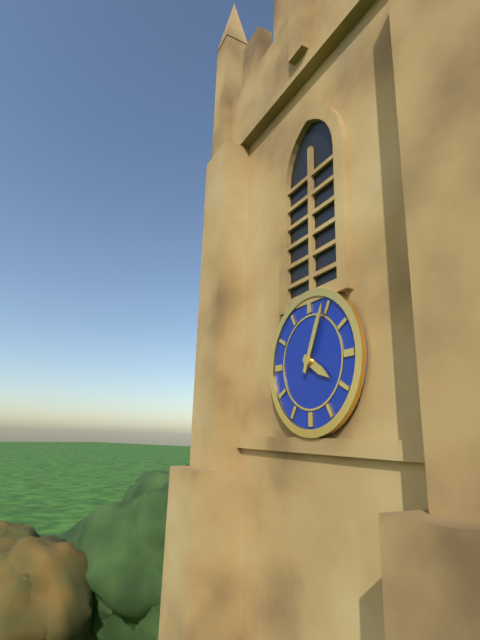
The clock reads 4,04
